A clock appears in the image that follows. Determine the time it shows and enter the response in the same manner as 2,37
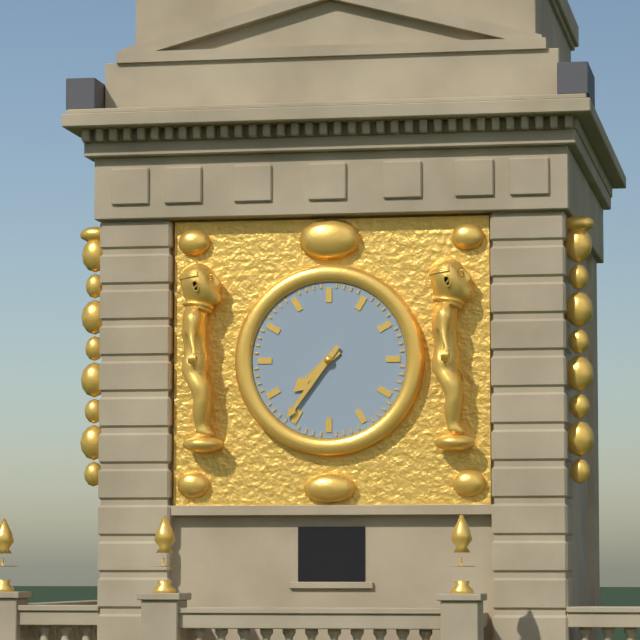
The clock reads 7,36
